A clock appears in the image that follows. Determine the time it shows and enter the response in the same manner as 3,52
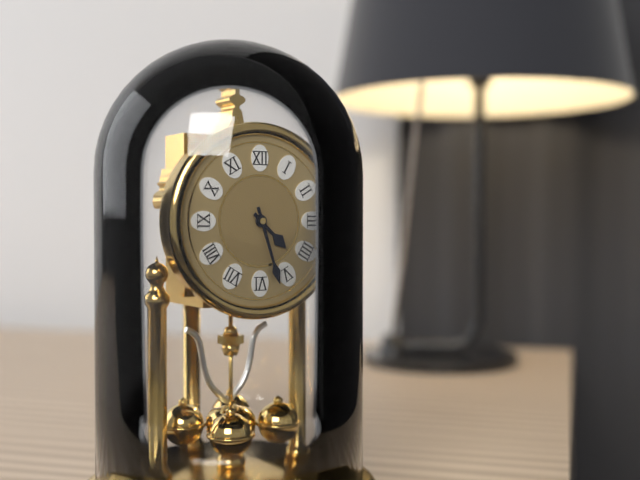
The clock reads 4,27
